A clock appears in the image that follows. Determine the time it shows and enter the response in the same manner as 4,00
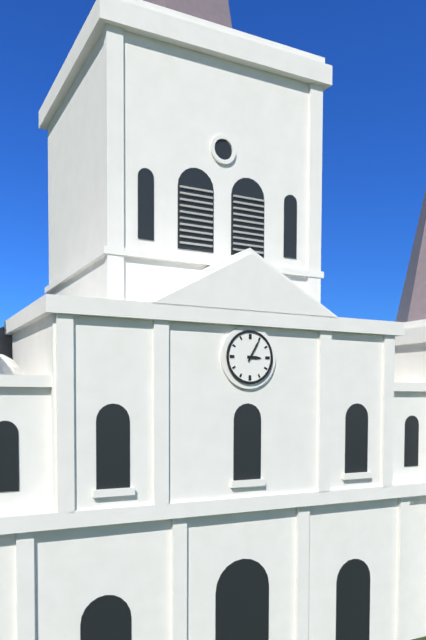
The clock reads 3,05
